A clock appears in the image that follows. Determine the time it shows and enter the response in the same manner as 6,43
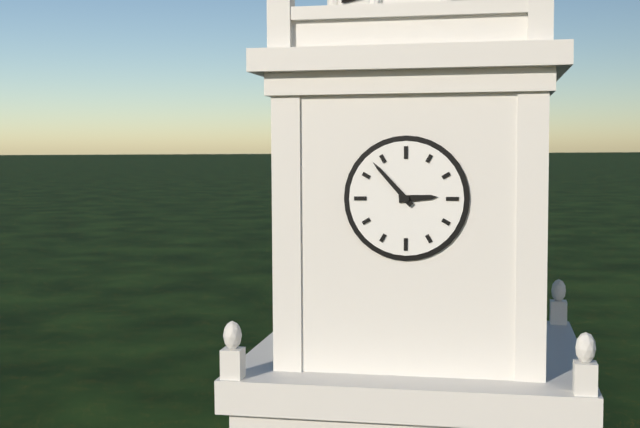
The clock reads 2,53
